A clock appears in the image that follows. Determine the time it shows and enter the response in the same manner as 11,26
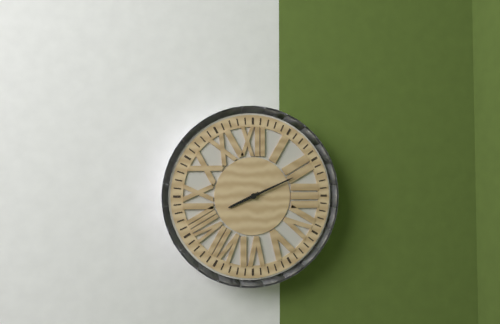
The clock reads 8,11
